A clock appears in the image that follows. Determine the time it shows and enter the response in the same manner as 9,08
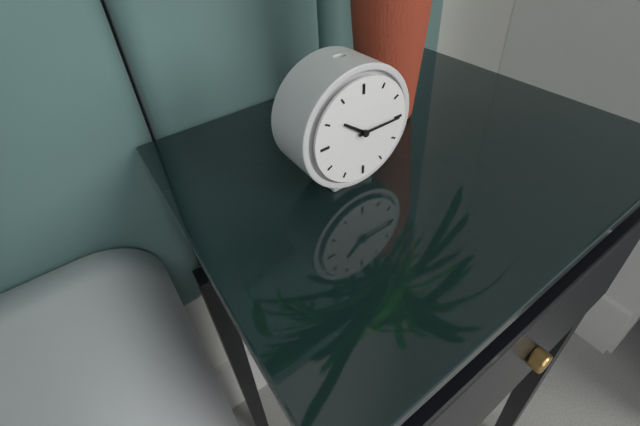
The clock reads 10,15
